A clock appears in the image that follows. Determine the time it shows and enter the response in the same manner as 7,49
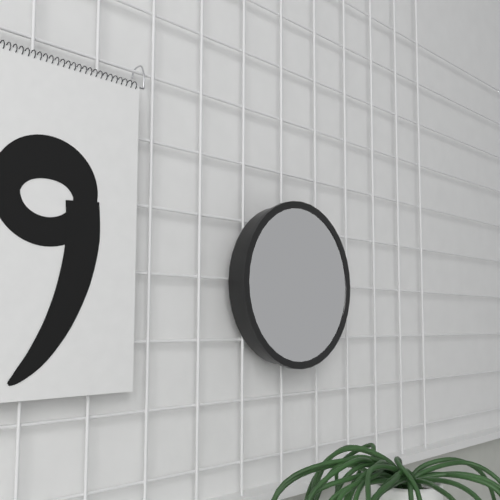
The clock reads 10,24
